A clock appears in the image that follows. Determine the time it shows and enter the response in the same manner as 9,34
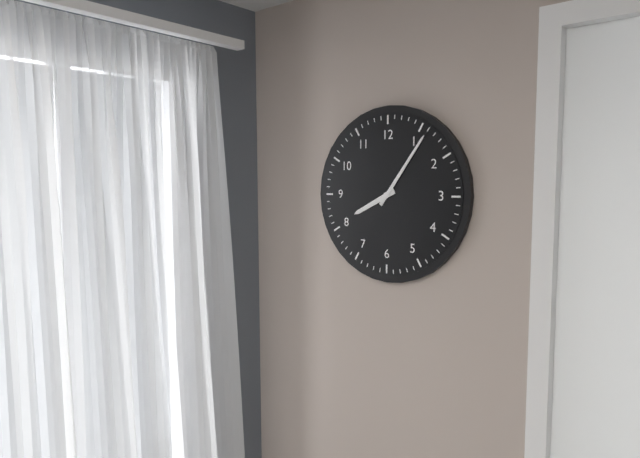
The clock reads 8,06
